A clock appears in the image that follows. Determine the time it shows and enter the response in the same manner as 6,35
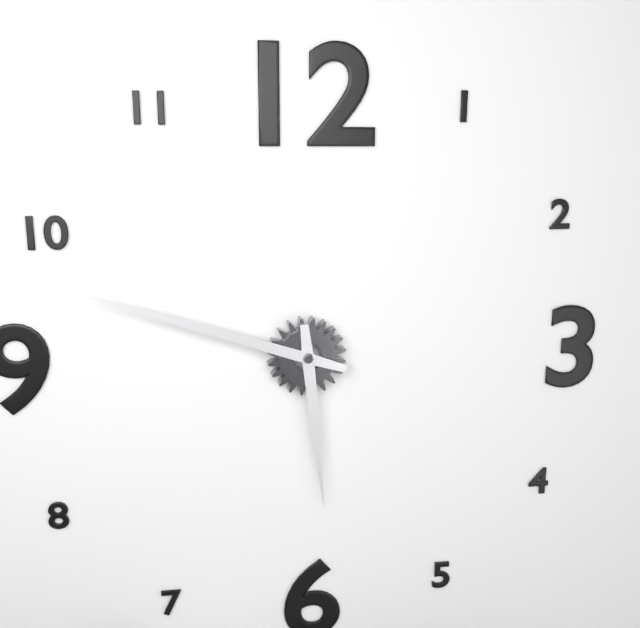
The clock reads 5,48
